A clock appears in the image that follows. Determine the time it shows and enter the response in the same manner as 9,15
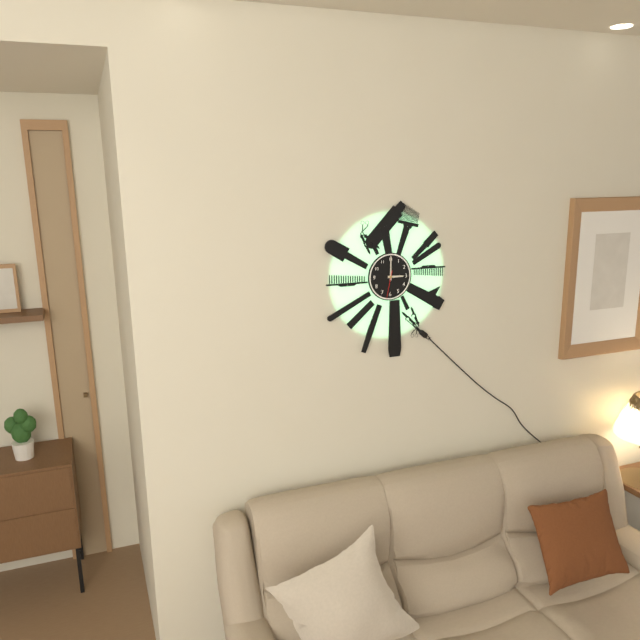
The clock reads 3,00
